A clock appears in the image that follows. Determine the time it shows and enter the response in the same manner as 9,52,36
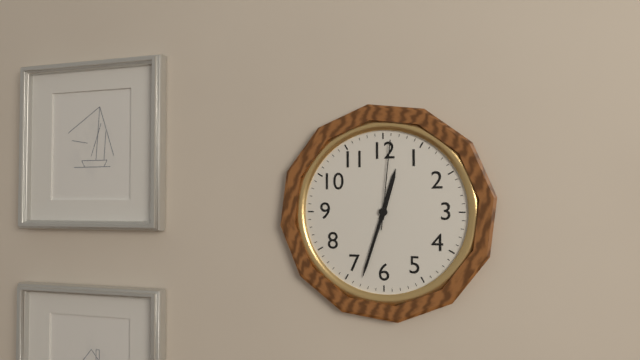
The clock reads 12,33,01
